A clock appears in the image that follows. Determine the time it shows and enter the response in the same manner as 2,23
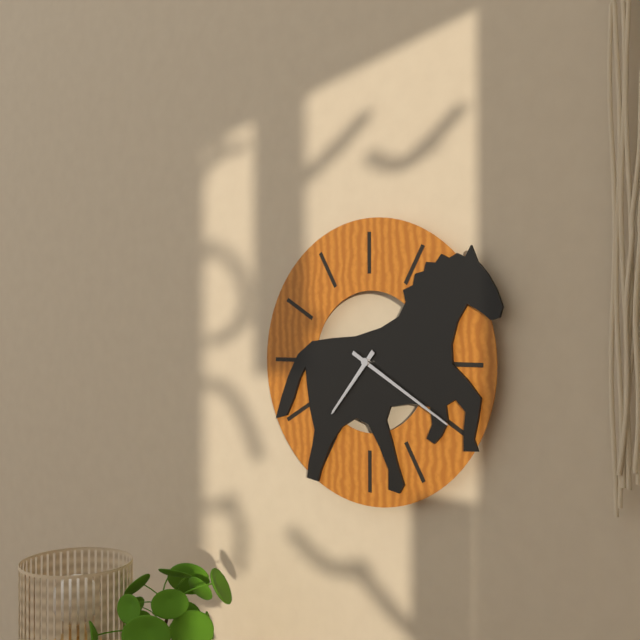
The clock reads 7,20
